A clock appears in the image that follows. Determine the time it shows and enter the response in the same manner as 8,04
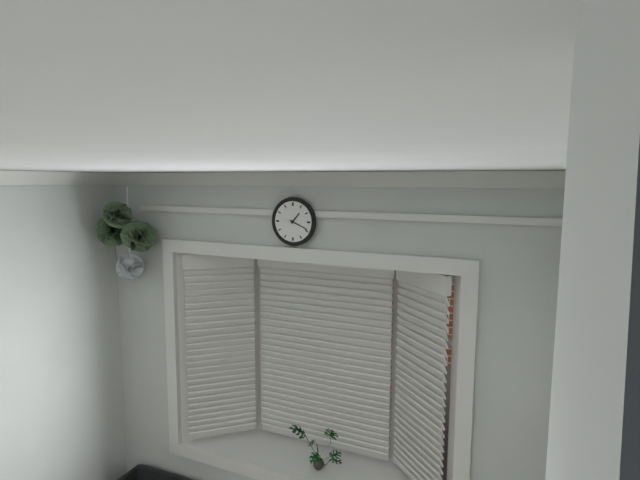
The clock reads 1,19
